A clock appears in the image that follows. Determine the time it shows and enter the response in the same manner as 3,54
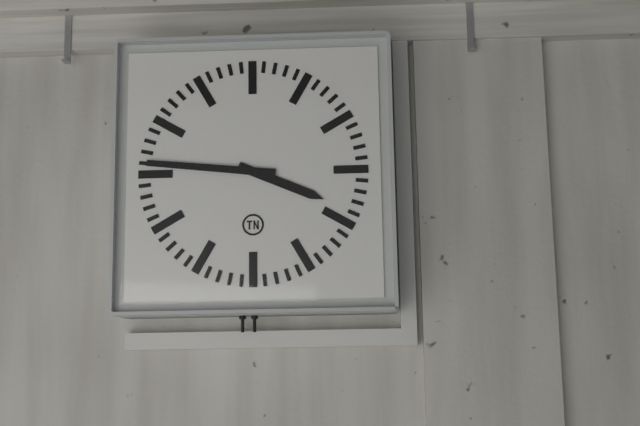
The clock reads 3,46
